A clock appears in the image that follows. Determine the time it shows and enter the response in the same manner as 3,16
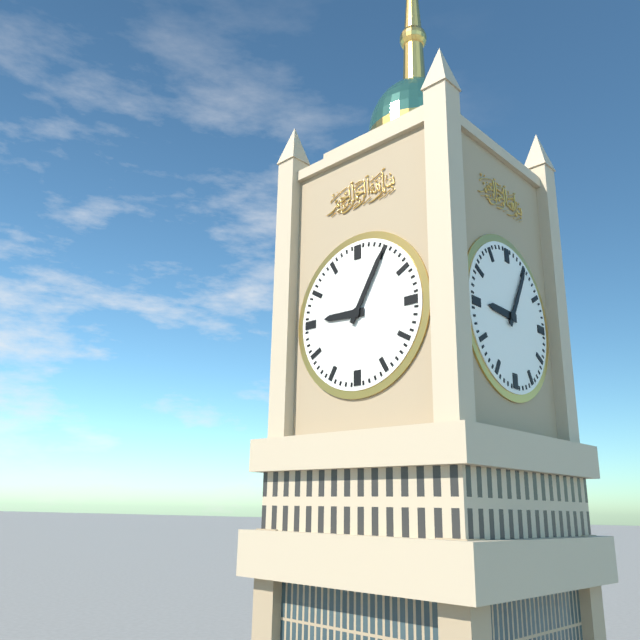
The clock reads 9,05
